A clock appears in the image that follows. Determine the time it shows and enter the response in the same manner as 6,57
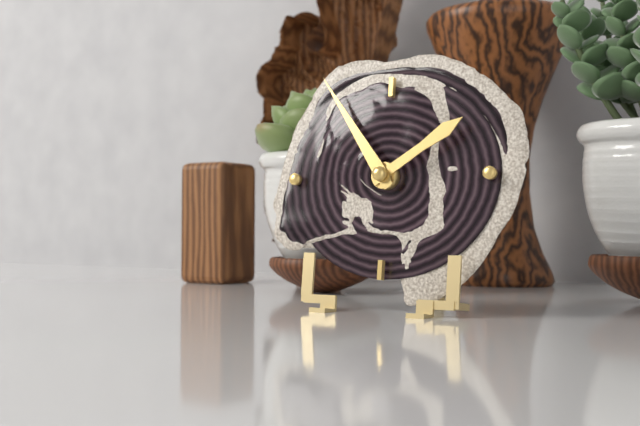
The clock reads 1,54
